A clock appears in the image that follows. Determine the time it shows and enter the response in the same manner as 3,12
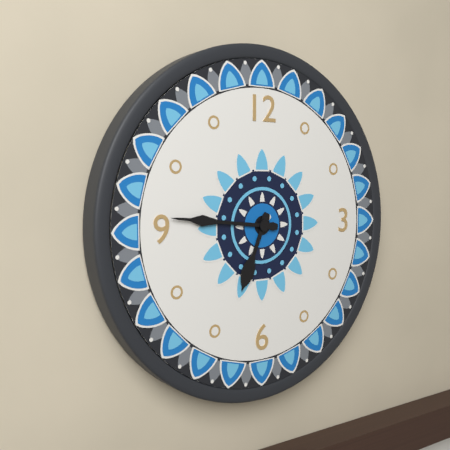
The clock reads 6,46
